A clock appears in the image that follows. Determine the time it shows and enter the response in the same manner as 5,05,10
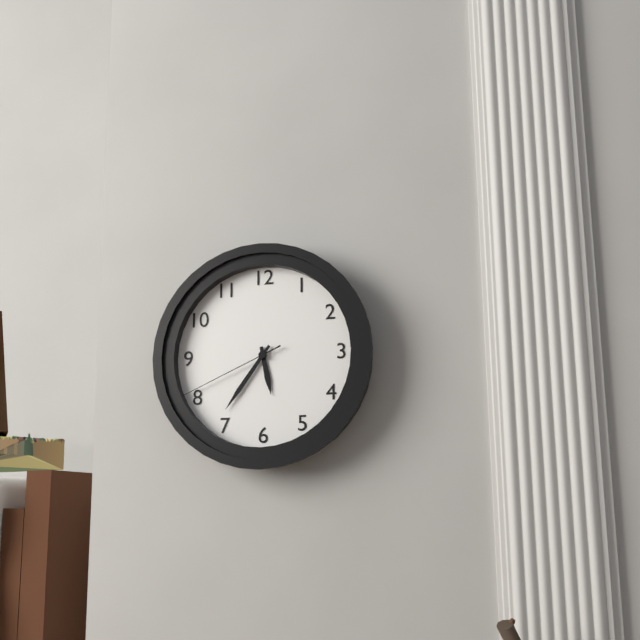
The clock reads 5,36,41
